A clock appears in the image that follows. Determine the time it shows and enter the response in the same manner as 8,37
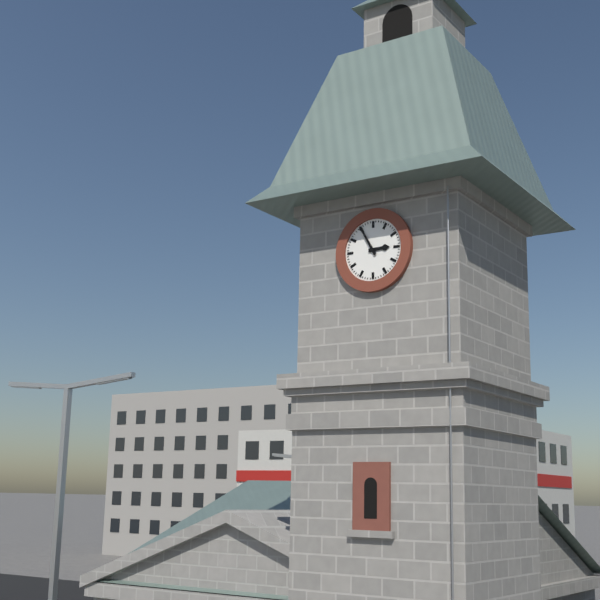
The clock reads 2,55
